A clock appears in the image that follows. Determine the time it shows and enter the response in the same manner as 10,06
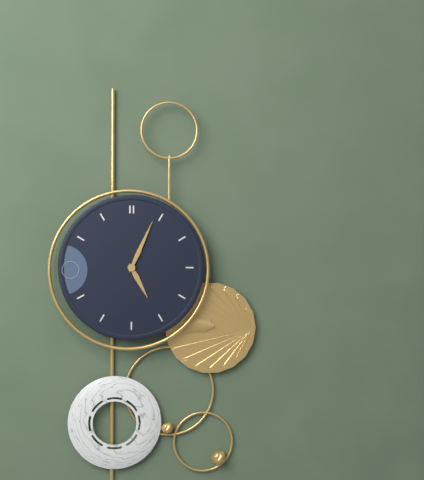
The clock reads 5,04
